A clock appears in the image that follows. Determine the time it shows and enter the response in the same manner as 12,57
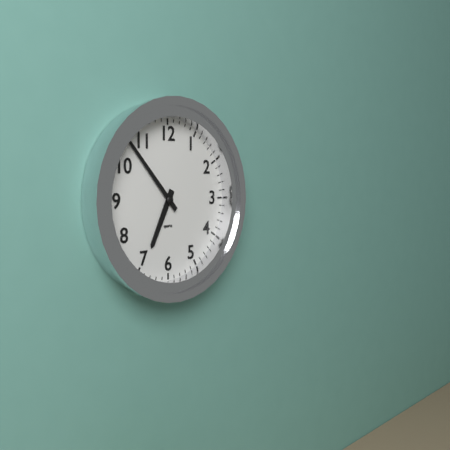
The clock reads 6,53
